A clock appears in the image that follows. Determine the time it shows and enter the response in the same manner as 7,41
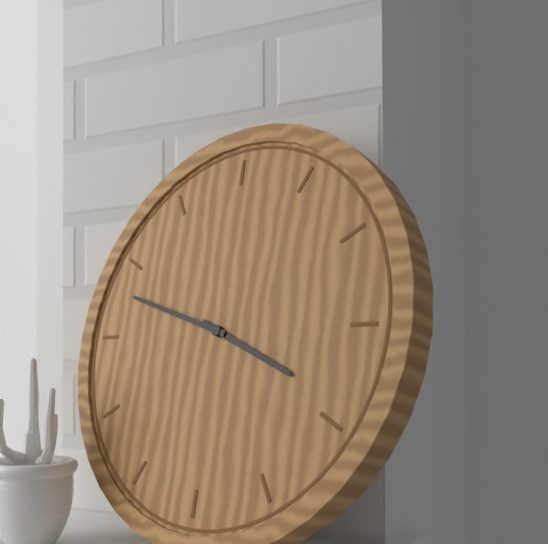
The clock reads 3,48
